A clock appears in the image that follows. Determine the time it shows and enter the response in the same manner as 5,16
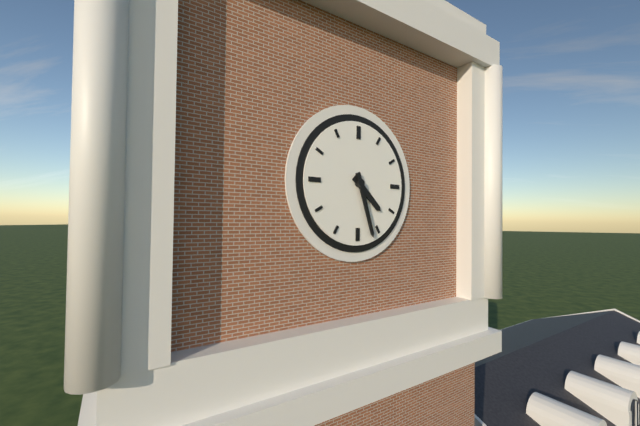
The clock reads 4,27
